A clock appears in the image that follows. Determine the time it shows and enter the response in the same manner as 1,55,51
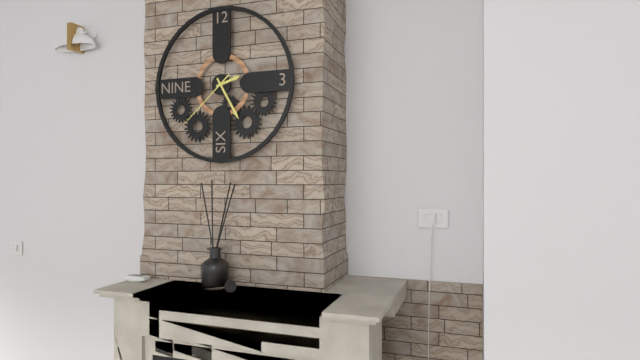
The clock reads 2,25,38
